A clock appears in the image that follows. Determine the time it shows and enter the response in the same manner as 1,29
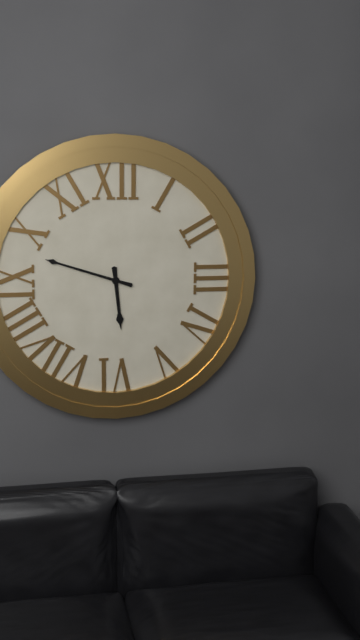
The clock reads 5,48
